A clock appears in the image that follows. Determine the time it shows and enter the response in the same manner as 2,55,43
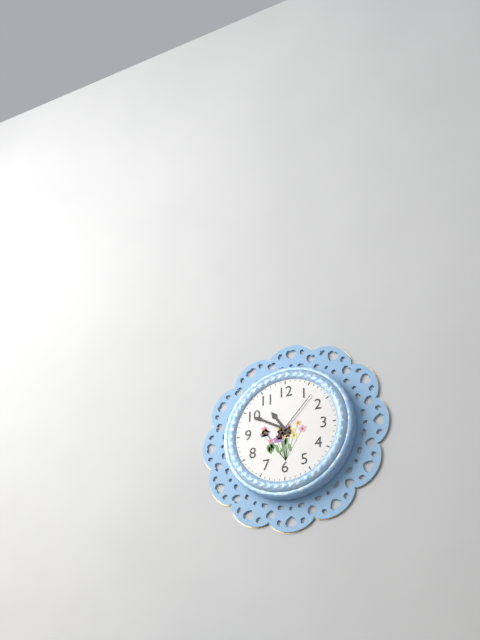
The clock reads 10,50,07
